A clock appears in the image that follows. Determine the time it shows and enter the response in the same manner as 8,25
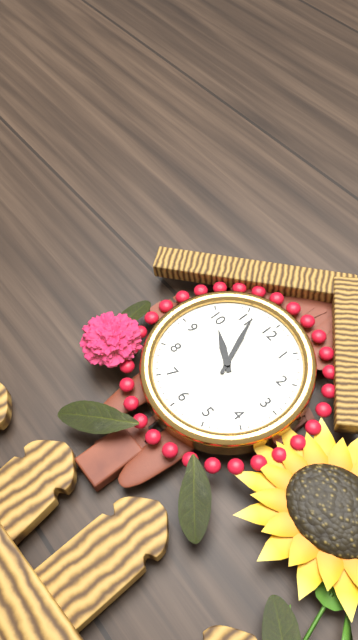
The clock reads 9,56
